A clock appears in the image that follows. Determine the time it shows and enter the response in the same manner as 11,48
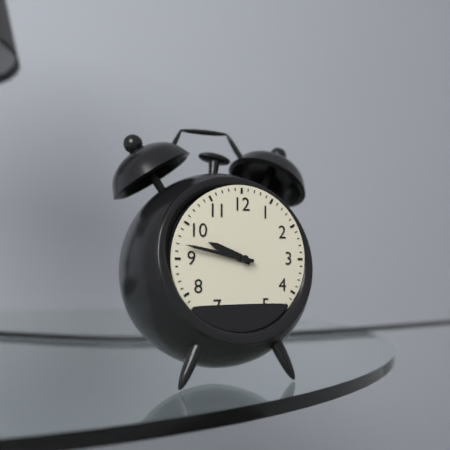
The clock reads 9,47
